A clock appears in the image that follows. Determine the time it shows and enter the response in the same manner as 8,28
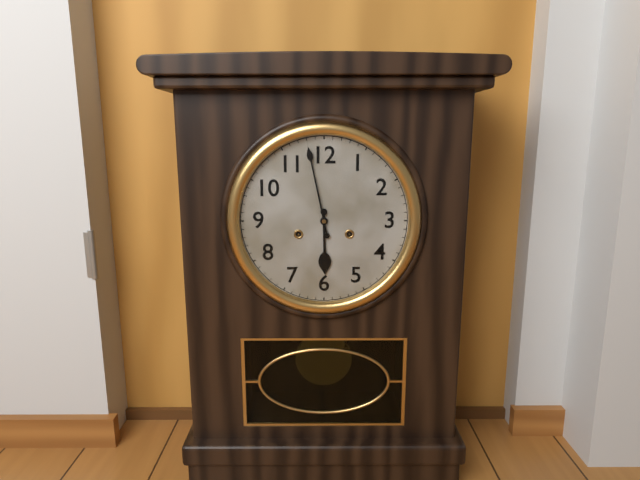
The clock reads 5,58
